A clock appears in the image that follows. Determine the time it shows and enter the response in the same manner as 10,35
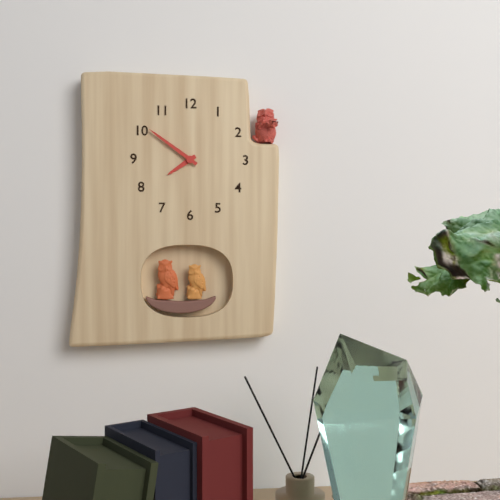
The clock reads 7,51
